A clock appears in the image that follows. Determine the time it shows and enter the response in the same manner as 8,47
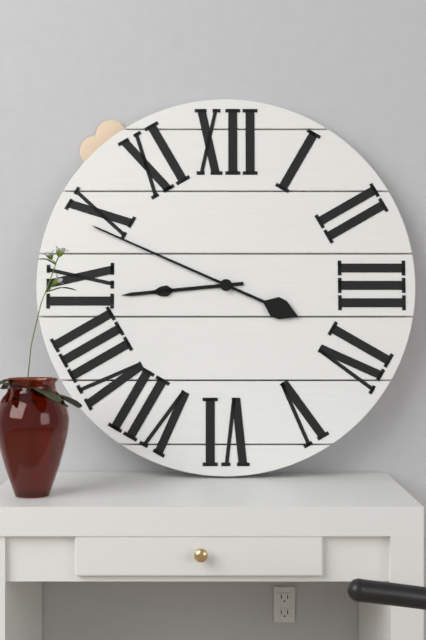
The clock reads 8,49
